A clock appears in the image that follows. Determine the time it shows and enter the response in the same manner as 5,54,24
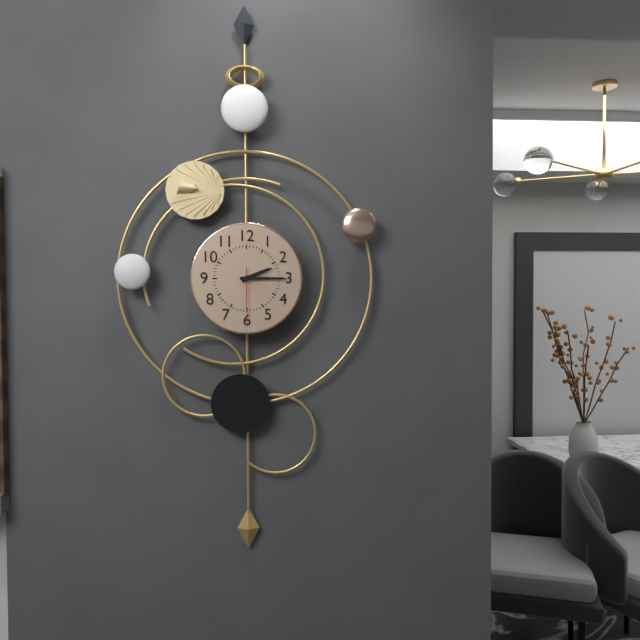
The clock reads 2,15,30
